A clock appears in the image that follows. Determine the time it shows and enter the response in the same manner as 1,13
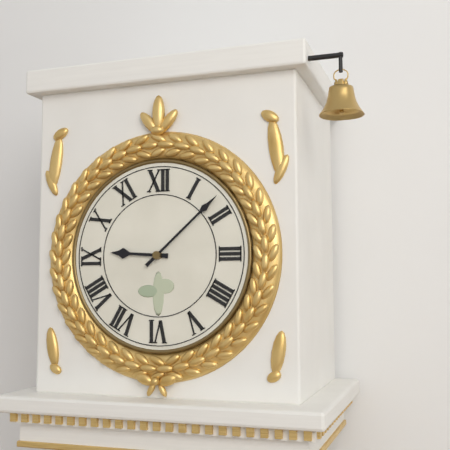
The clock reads 9,08
